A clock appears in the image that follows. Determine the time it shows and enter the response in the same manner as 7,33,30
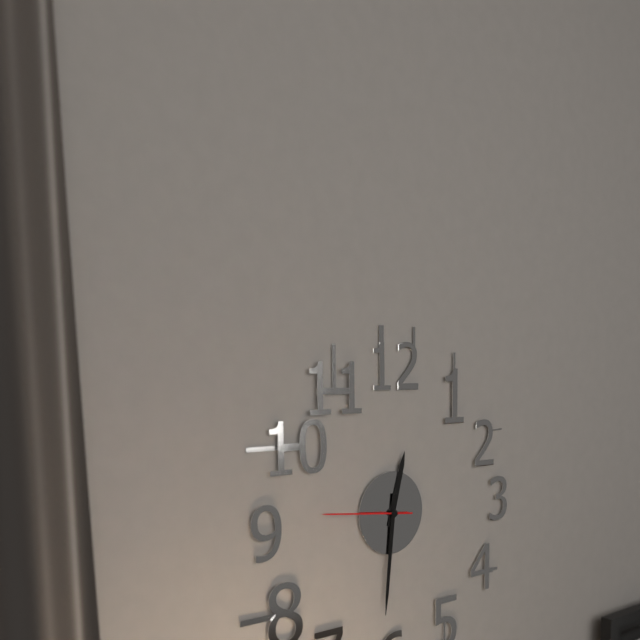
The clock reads 12,31,46
